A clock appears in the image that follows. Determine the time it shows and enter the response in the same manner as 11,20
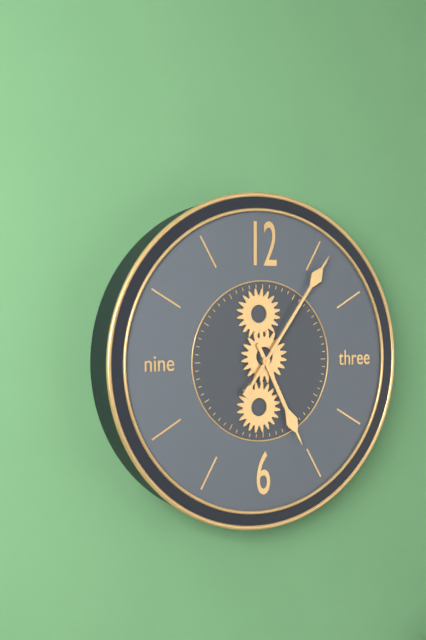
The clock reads 5,06
